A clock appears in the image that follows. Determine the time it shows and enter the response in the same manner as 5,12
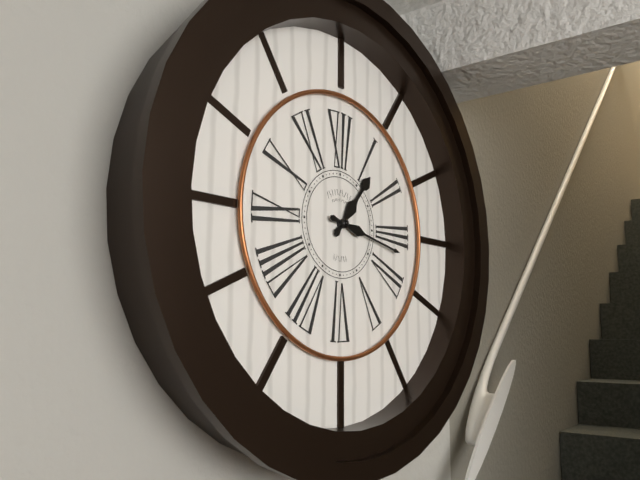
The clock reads 1,17
